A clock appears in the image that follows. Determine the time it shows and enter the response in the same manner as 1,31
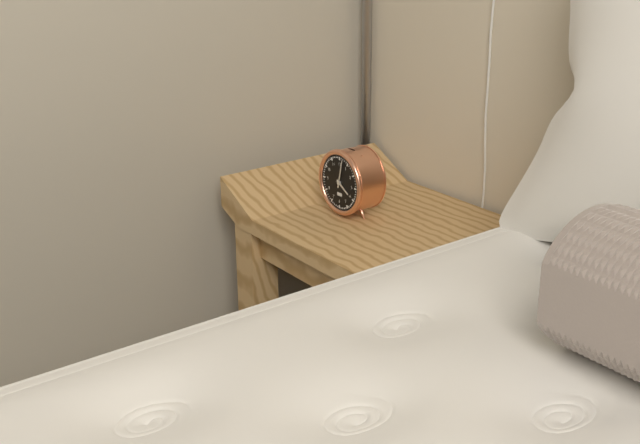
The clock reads 4,02
